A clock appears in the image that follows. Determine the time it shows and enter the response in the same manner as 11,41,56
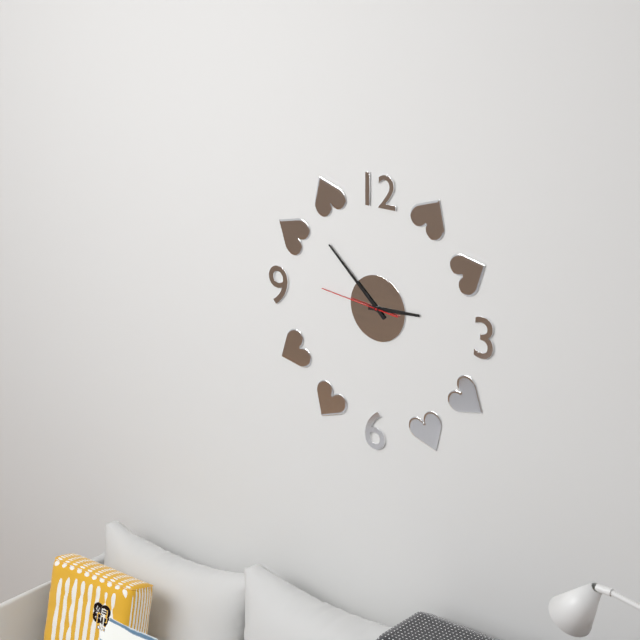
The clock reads 2,52,46
